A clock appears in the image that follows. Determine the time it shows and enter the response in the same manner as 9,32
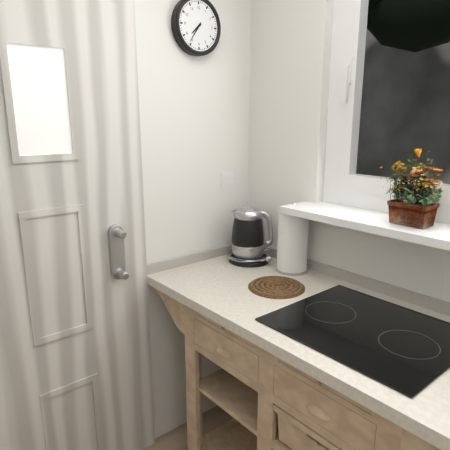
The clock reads 7,36
